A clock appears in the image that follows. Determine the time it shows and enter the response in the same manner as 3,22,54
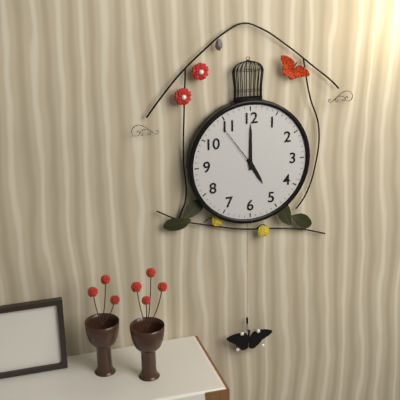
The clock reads 5,00,54
